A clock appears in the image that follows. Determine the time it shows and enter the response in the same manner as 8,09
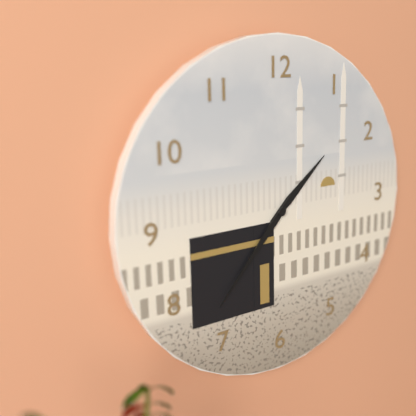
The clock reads 1,37
